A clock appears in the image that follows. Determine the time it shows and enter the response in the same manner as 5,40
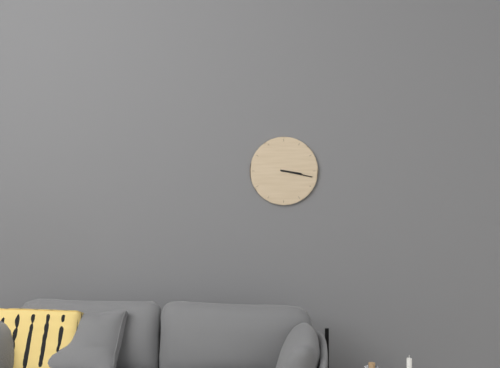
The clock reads 3,17
